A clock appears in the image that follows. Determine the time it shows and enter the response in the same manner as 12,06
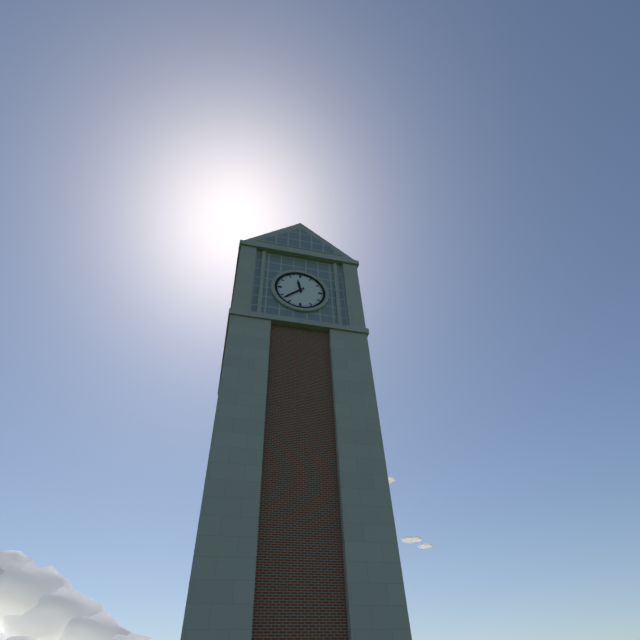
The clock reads 11,38
